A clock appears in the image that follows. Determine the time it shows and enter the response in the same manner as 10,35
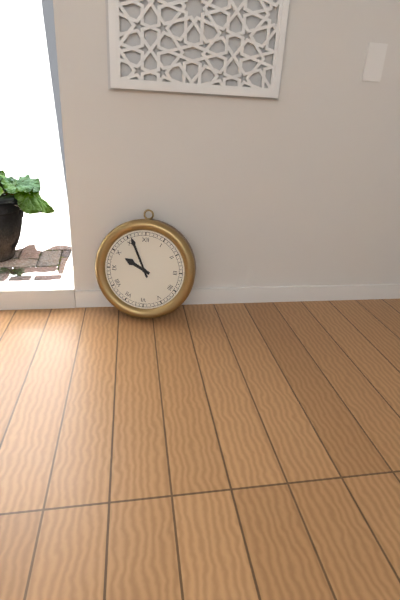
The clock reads 9,56
